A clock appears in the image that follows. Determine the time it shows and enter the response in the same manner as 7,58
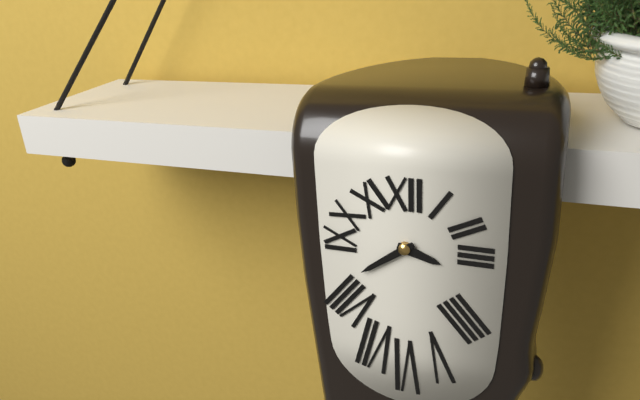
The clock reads 3,39
